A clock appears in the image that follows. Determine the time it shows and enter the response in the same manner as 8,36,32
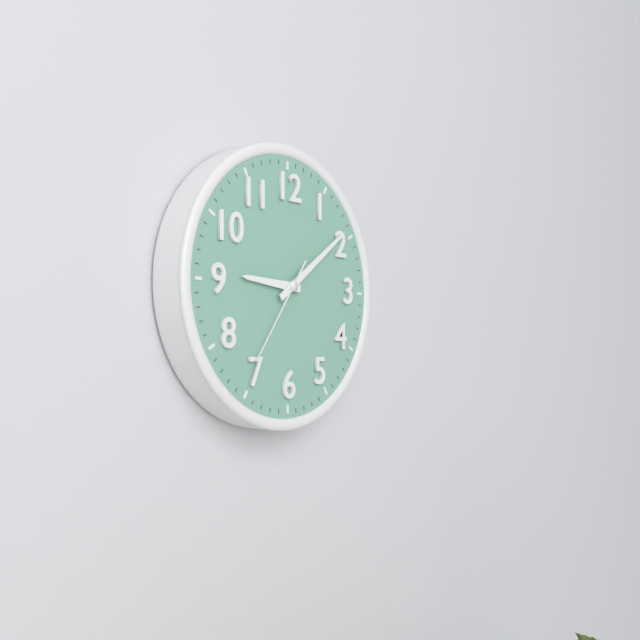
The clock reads 9,09,36
